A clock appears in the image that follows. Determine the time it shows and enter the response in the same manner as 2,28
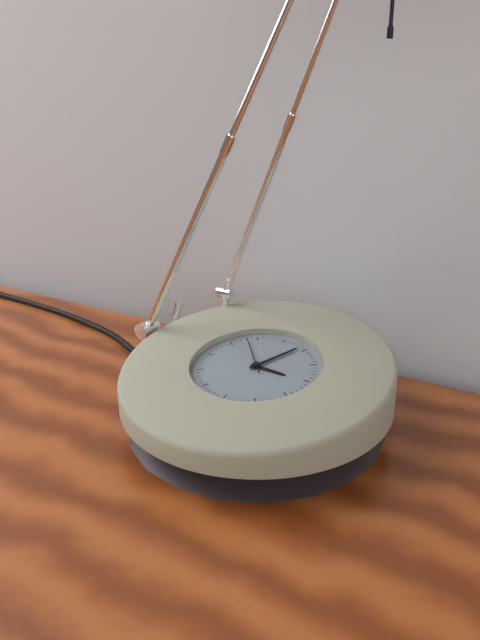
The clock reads 3,04
